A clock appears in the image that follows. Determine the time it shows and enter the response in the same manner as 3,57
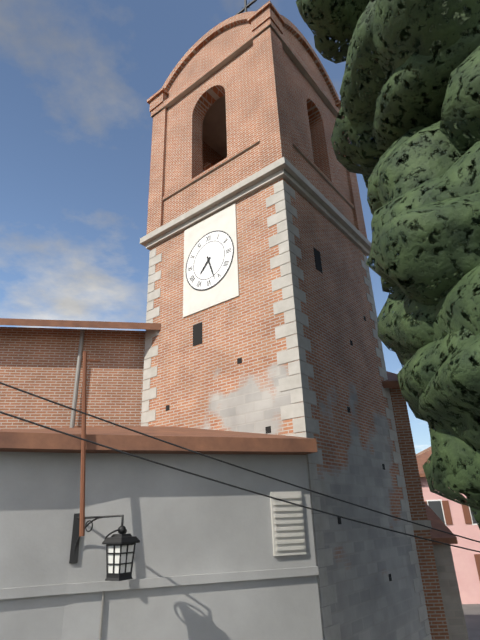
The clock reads 7,27
